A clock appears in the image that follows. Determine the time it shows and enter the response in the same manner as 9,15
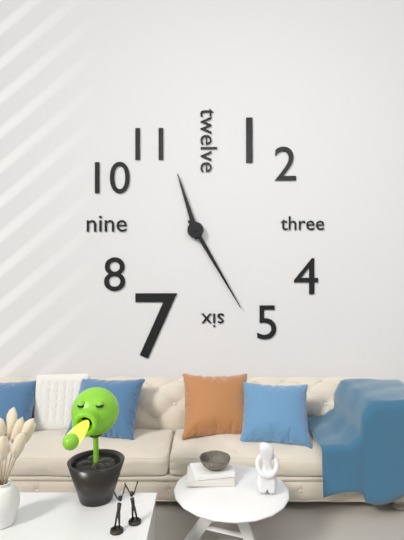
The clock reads 11,25
